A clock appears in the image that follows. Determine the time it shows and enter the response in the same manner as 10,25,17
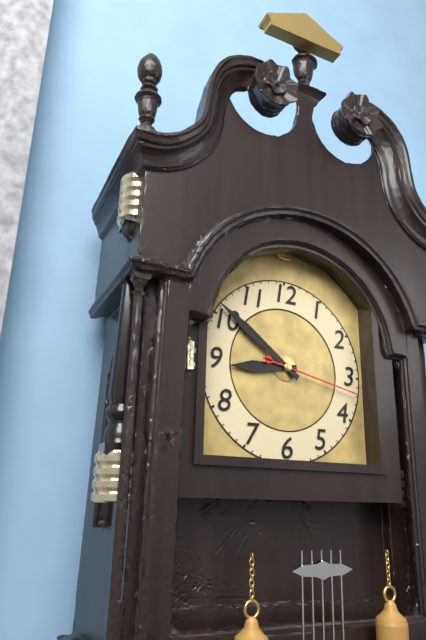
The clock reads 8,51,17
